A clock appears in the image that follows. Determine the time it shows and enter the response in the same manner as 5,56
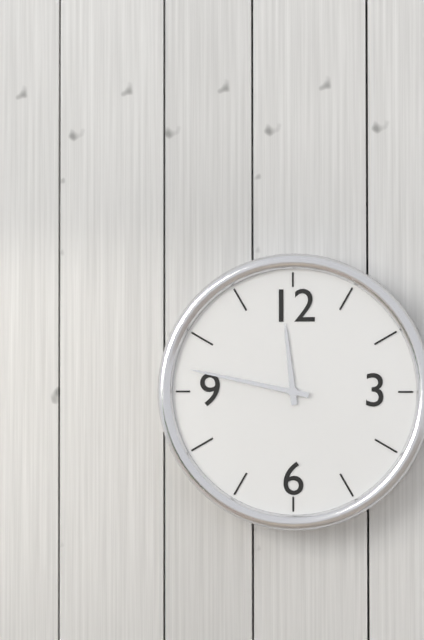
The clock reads 11,47
